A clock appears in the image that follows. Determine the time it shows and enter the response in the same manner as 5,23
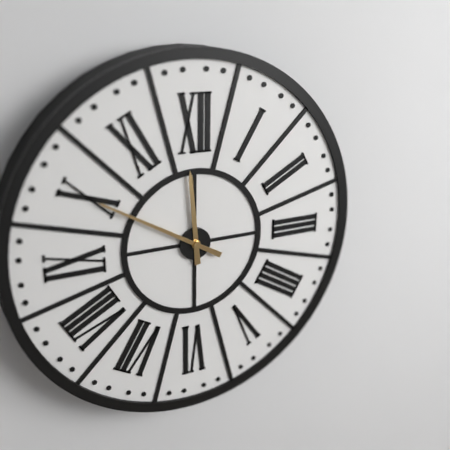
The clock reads 11,50
